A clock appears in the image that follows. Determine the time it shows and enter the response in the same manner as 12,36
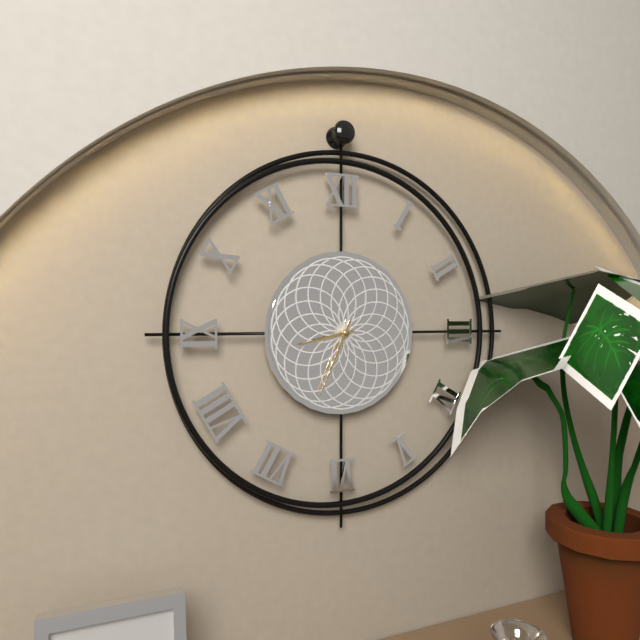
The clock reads 8,34
